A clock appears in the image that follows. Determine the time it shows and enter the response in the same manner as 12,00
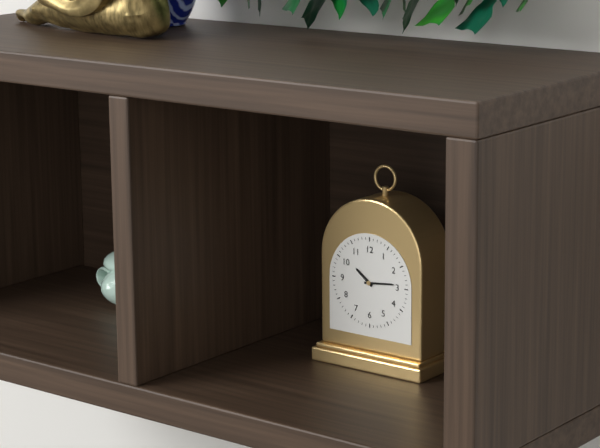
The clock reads 10,14
